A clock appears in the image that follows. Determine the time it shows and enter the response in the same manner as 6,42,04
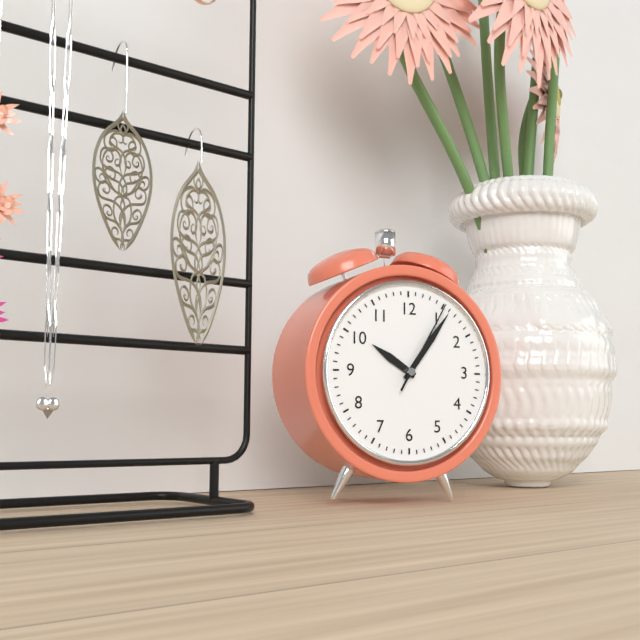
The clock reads 10,06,05
